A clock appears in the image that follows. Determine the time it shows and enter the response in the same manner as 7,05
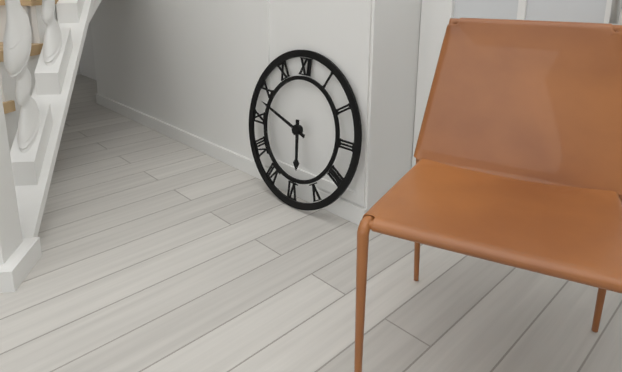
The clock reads 5,48
